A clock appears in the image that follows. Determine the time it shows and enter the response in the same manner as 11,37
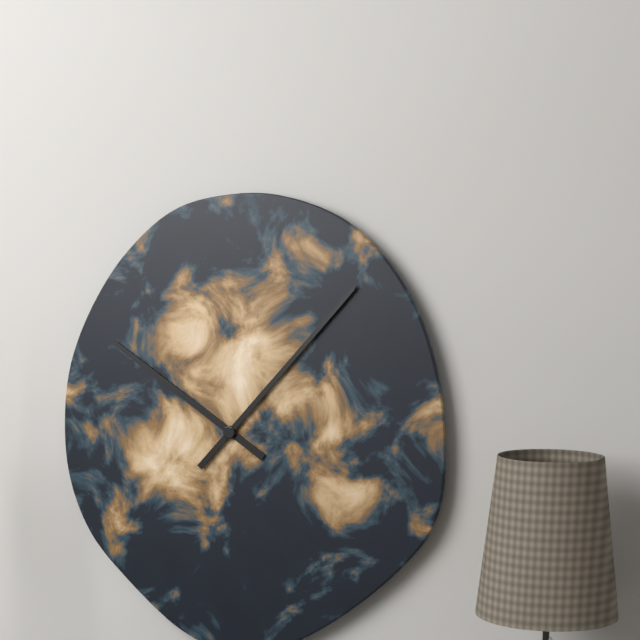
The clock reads 10,07
